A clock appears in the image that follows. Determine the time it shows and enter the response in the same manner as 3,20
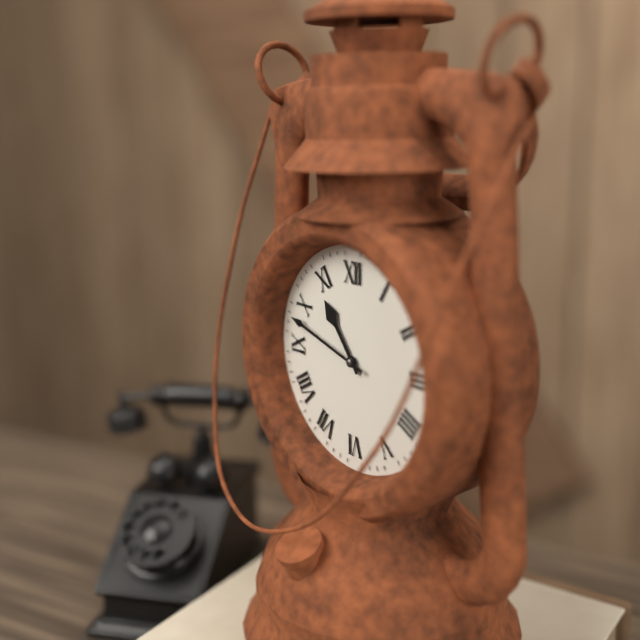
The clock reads 10,48
